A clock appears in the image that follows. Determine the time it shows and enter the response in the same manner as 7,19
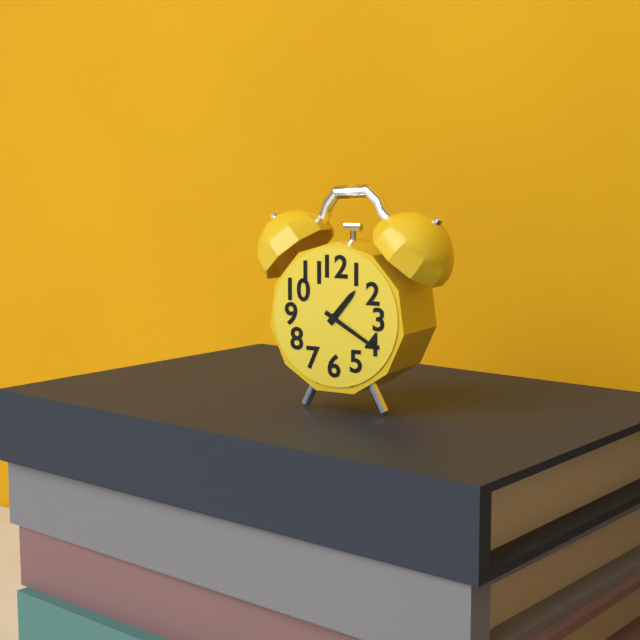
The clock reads 1,20
